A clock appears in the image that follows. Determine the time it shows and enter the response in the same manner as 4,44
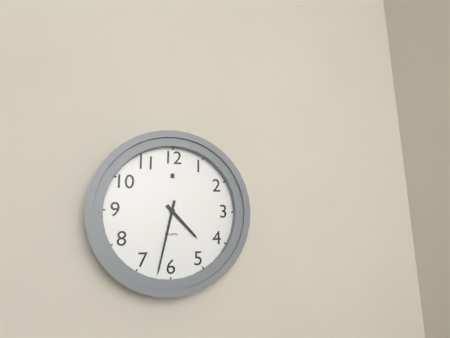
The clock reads 4,32
